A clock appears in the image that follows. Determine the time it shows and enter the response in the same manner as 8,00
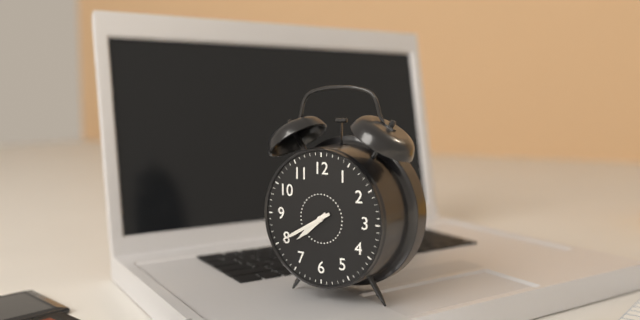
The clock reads 7,40
